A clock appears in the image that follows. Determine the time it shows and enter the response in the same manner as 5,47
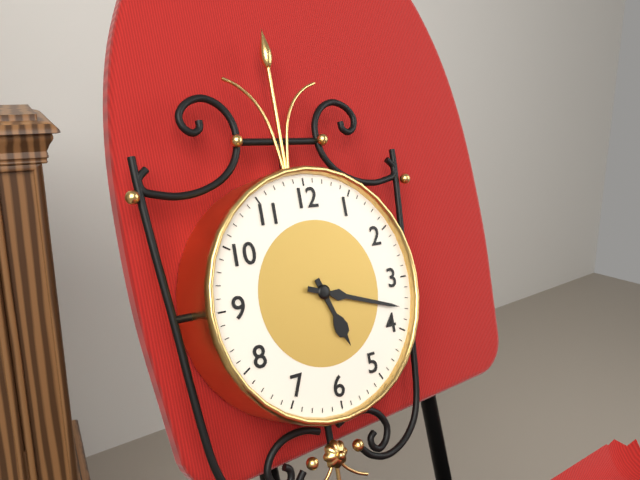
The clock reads 5,18
